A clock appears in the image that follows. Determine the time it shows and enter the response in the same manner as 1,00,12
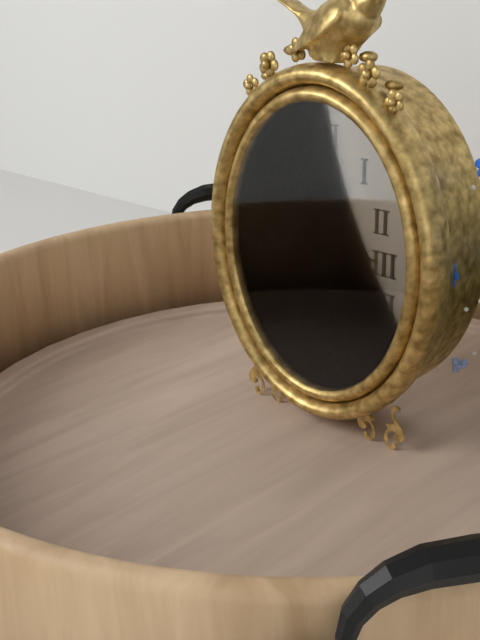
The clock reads 2,57,46
